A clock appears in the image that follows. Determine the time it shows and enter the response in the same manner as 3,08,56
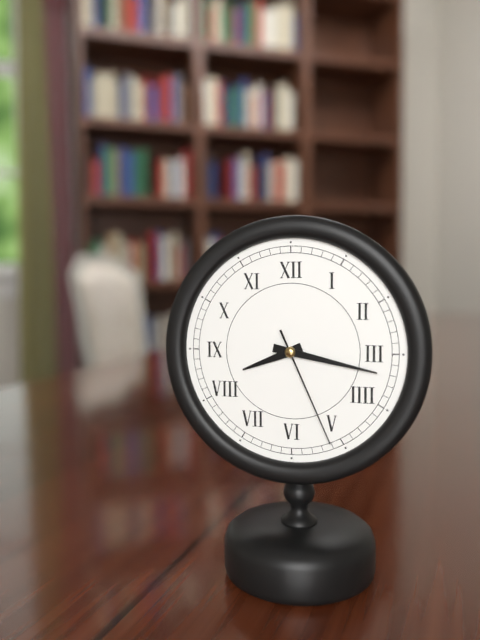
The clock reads 8,17,26
